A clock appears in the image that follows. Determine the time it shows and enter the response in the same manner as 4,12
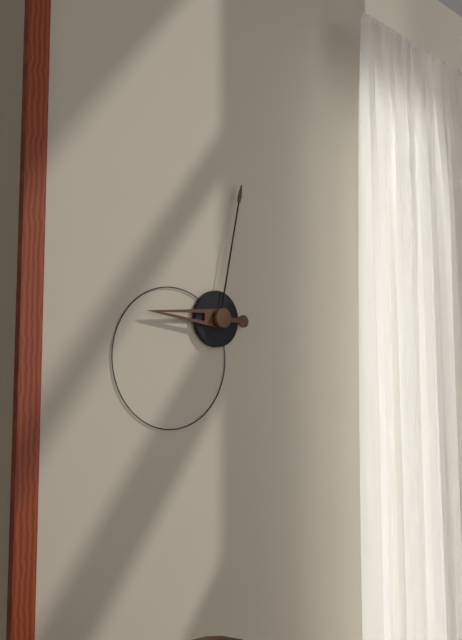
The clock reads 9,02
